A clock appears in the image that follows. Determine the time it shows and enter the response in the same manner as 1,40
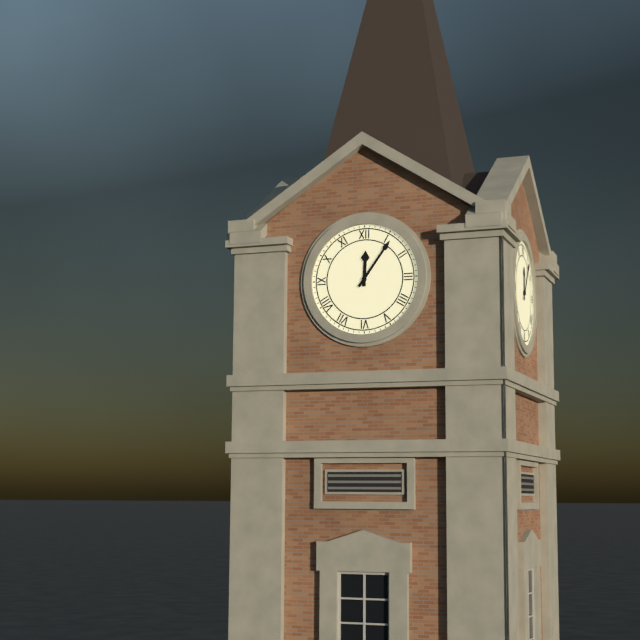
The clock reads 12,06
